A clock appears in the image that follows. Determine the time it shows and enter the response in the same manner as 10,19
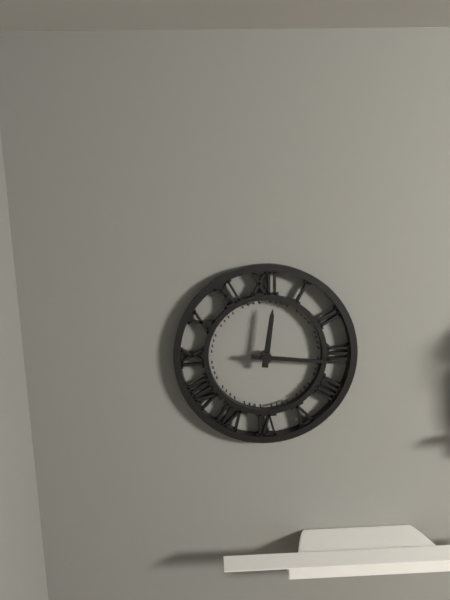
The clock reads 12,16
